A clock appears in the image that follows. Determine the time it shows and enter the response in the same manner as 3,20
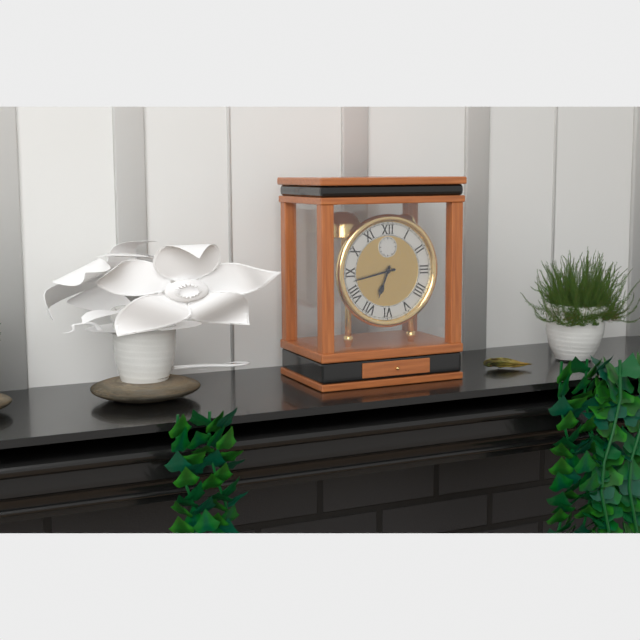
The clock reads 6,43
